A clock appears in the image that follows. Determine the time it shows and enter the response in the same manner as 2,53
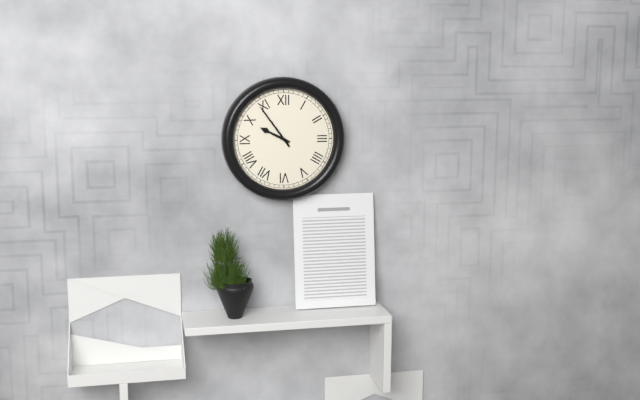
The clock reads 9,54
